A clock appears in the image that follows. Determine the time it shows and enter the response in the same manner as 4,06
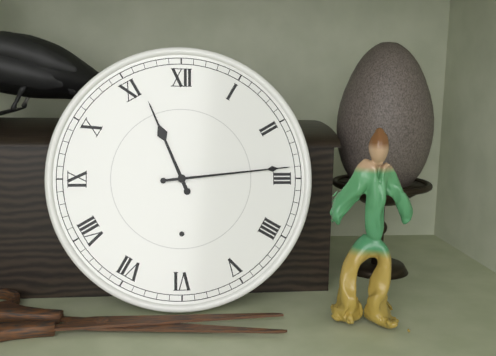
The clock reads 11,14
